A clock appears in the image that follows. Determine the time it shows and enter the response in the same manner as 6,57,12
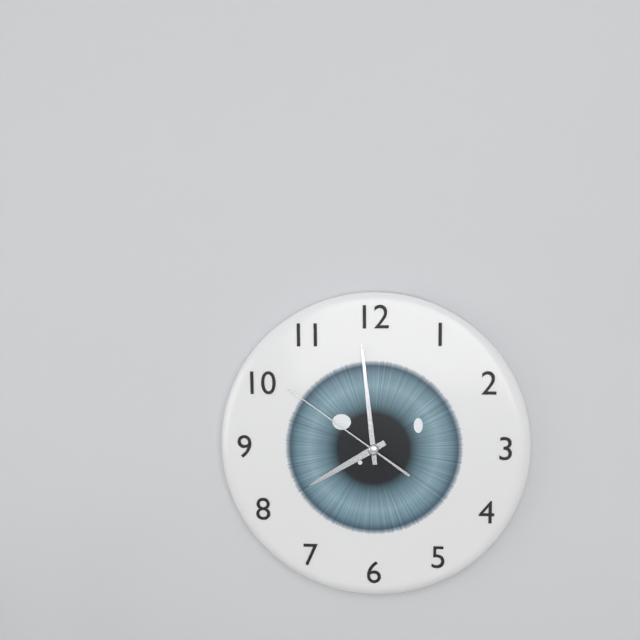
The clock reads 7,59,51
